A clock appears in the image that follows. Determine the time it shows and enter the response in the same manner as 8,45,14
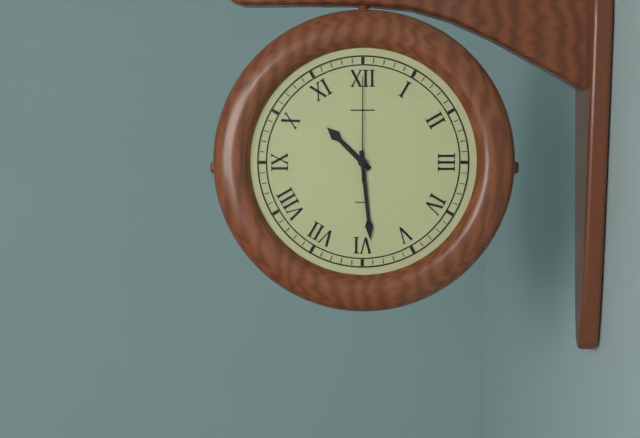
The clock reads 10,29,00
